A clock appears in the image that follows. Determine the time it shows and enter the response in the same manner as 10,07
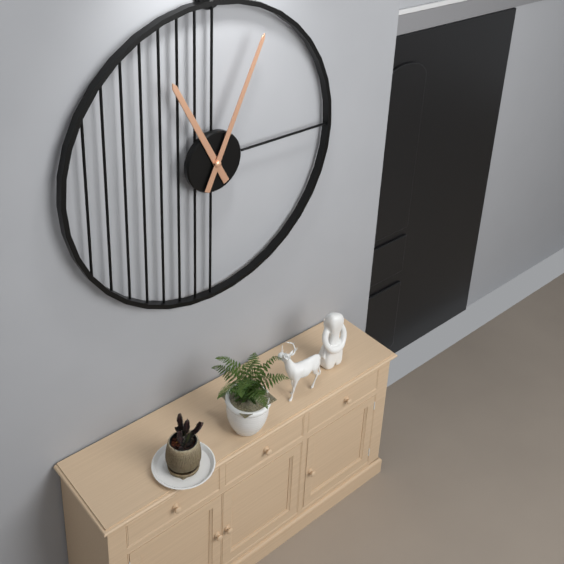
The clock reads 11,04
